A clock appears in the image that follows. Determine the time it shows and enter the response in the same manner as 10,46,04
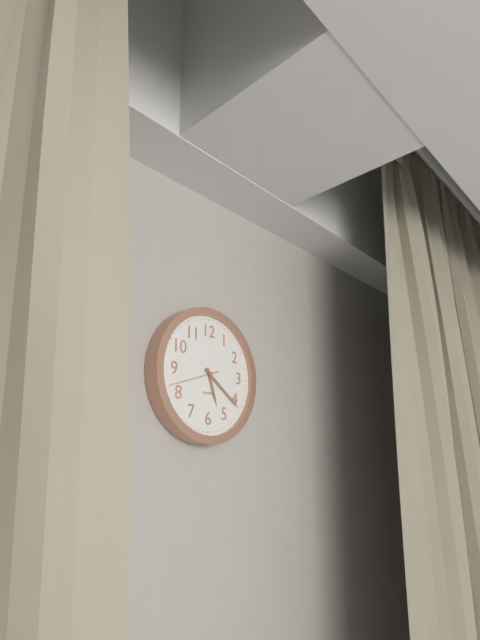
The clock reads 5,21,42
